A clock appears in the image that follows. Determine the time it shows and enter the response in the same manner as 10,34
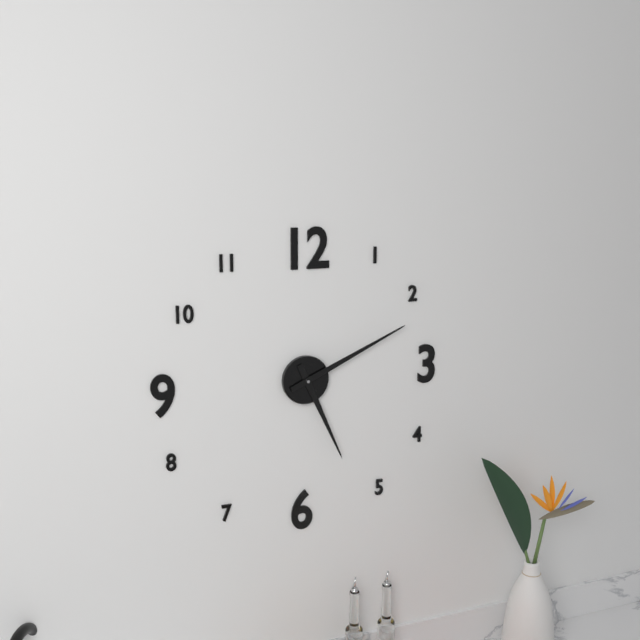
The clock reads 5,11
